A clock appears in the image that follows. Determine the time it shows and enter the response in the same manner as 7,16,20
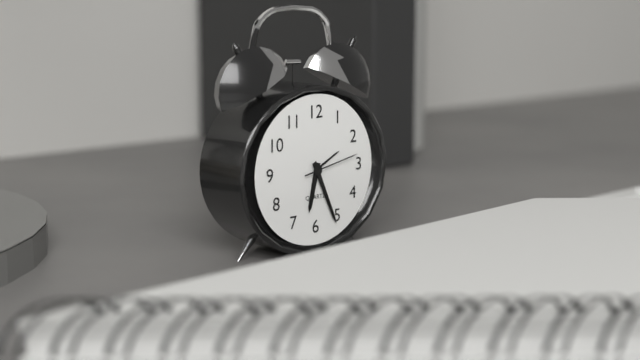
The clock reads 6,26,13
